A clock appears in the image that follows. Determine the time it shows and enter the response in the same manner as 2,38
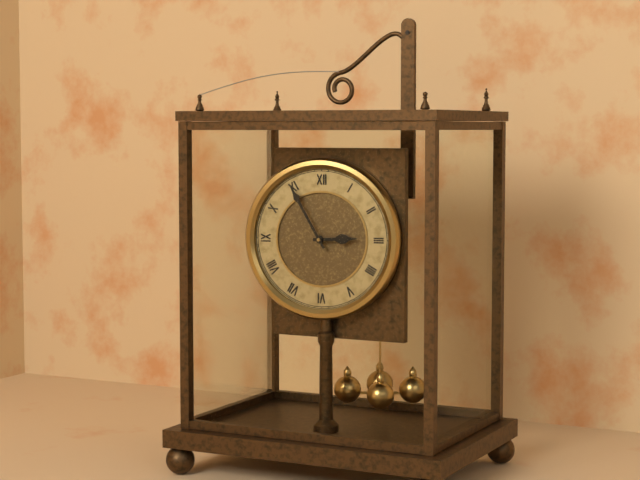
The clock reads 2,55
